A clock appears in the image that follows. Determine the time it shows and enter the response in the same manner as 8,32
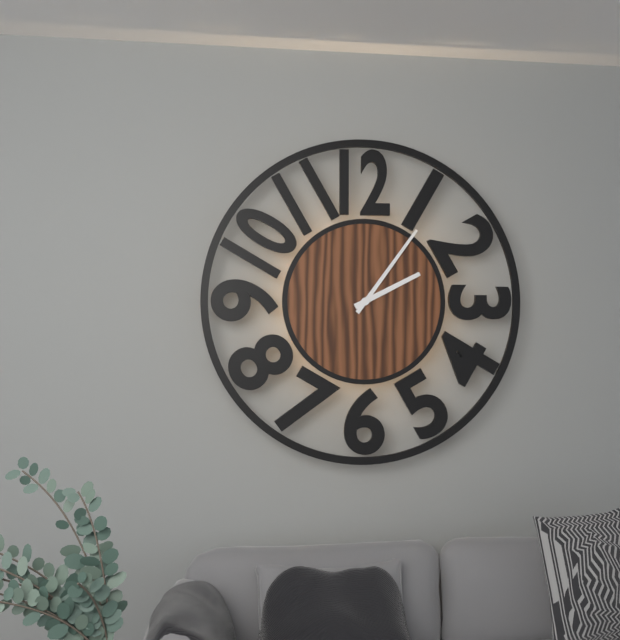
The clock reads 2,06
